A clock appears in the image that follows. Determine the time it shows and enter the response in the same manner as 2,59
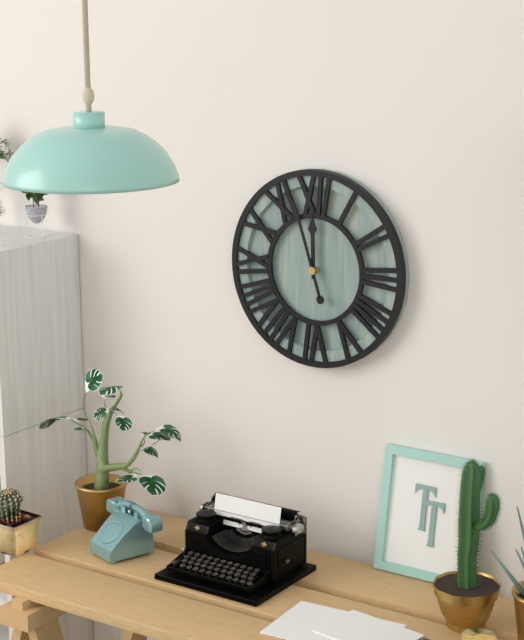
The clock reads 11,57
